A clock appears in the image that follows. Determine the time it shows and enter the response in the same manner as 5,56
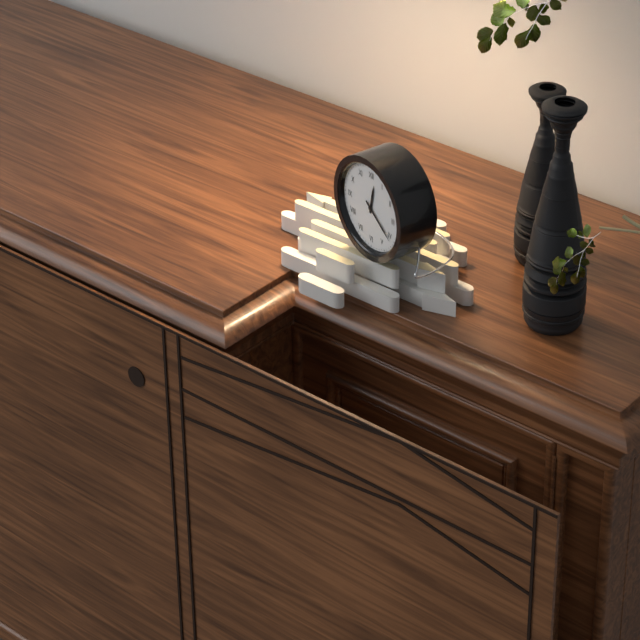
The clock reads 12,21
